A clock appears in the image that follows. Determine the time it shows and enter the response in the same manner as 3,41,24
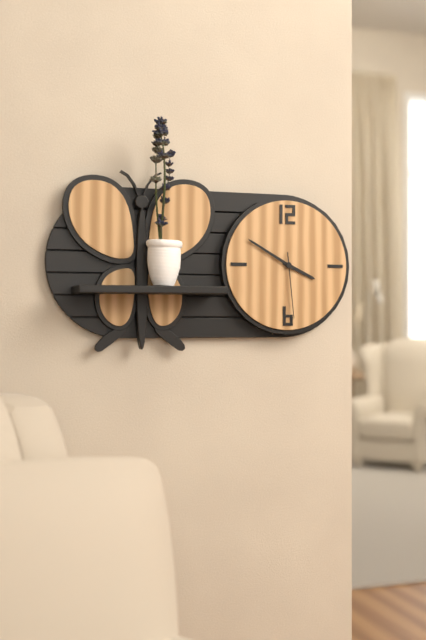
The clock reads 3,50,29
